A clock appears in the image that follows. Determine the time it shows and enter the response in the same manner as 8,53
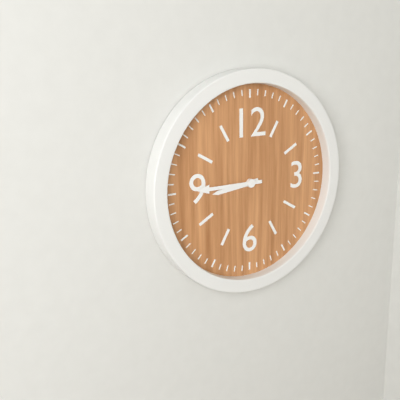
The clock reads 8,45
